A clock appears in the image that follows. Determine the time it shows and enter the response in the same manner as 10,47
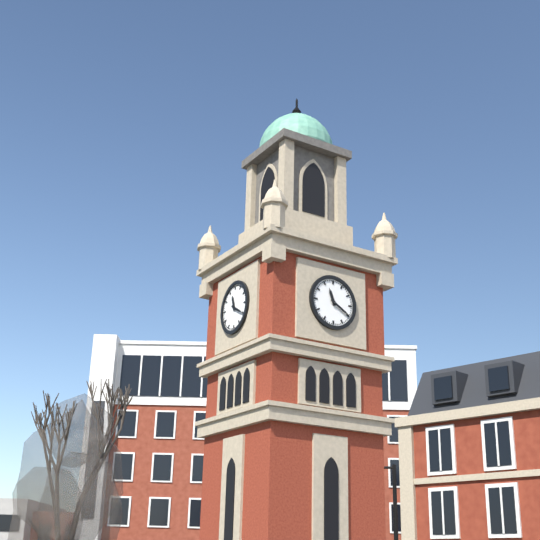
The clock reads 11,20
